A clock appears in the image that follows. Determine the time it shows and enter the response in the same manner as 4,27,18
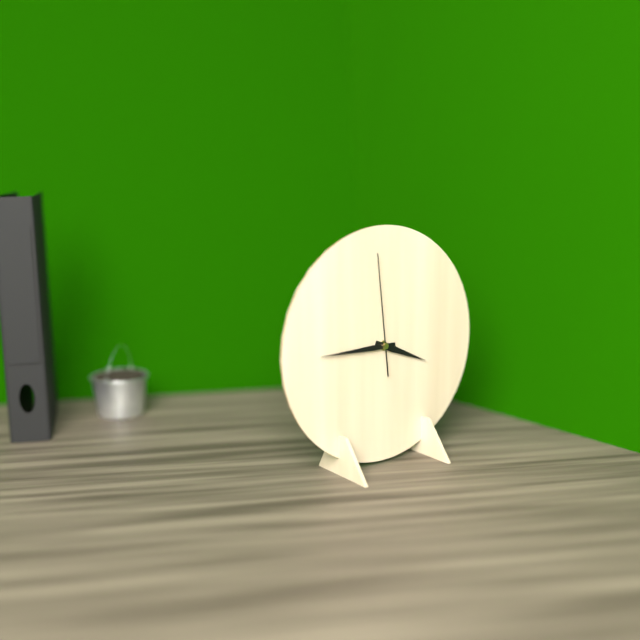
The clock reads 3,45,59
